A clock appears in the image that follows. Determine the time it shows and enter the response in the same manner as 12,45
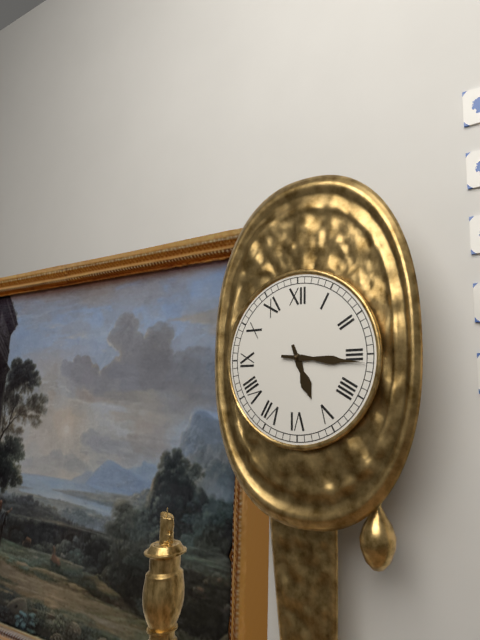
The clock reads 5,16
